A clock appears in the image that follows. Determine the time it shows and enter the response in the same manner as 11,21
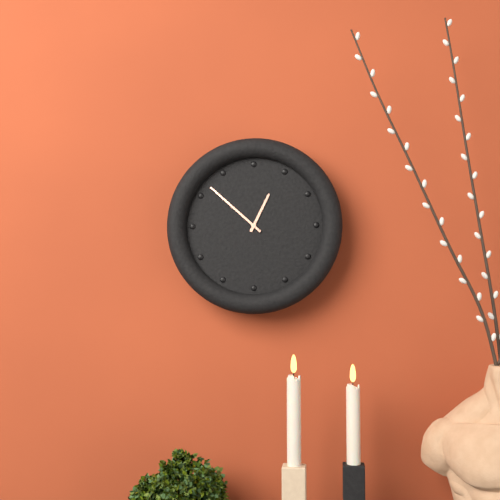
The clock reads 12,52
